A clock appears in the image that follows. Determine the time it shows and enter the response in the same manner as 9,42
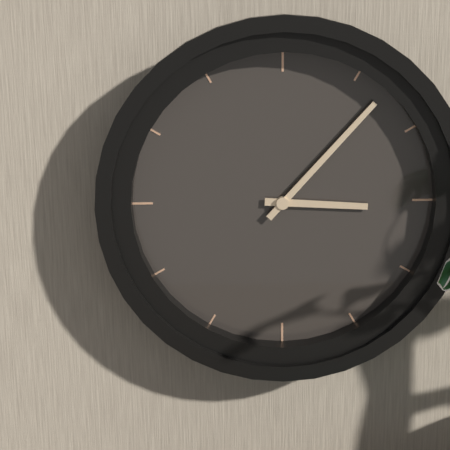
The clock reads 3,07
